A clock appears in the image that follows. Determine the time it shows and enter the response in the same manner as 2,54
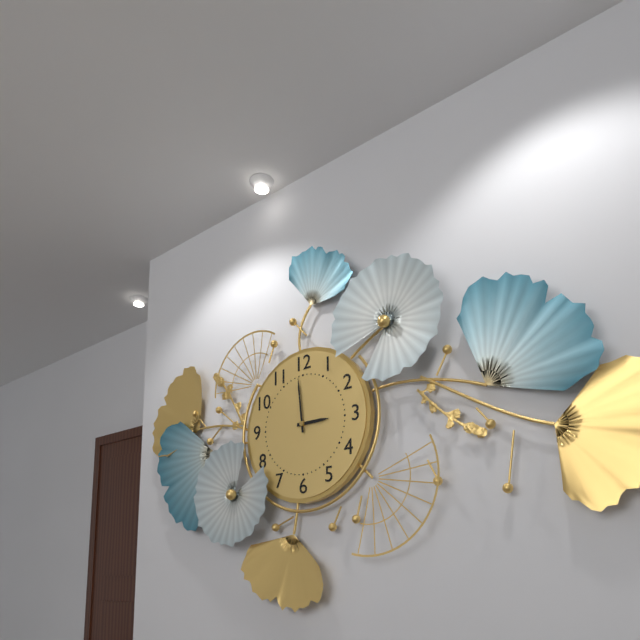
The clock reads 2,59
